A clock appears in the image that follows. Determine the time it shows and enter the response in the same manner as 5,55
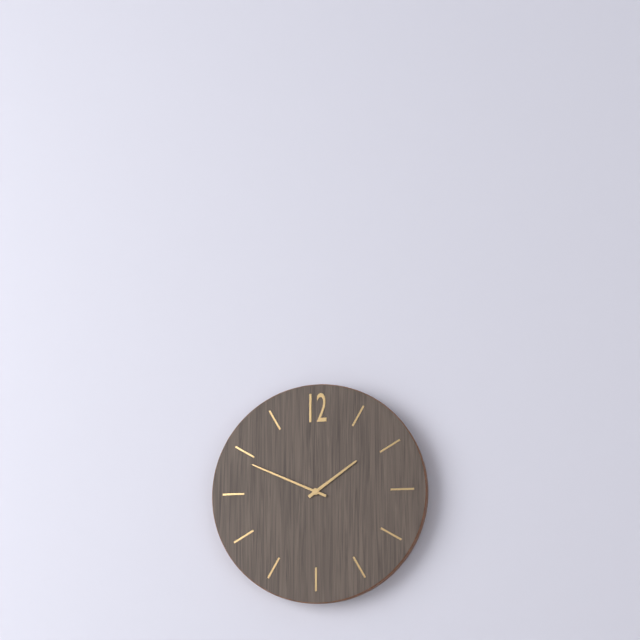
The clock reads 1,49
